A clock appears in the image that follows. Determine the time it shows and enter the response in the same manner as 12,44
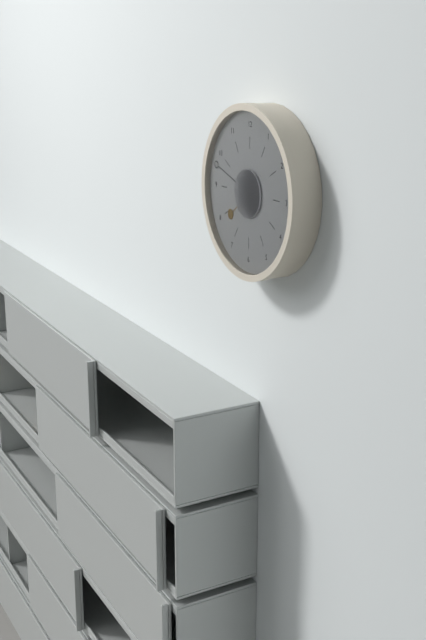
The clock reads 7,48
